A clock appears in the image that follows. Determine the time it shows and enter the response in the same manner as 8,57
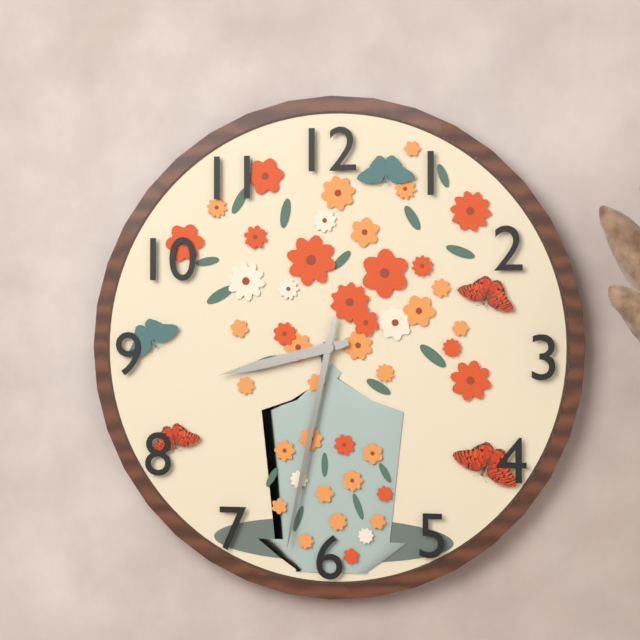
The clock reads 8,32
